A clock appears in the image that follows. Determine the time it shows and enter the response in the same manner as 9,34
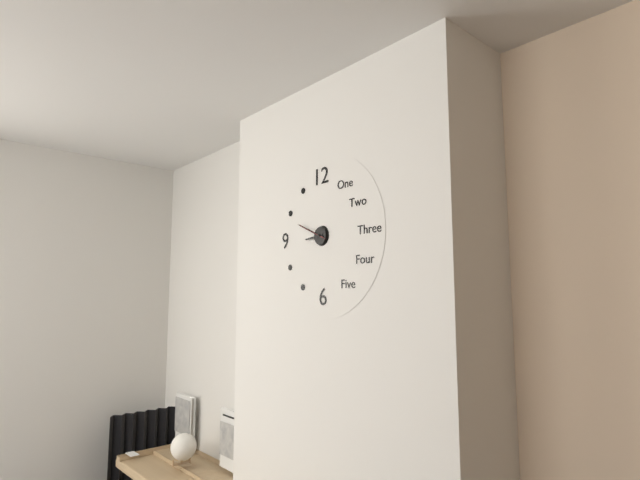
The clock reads 8,49
